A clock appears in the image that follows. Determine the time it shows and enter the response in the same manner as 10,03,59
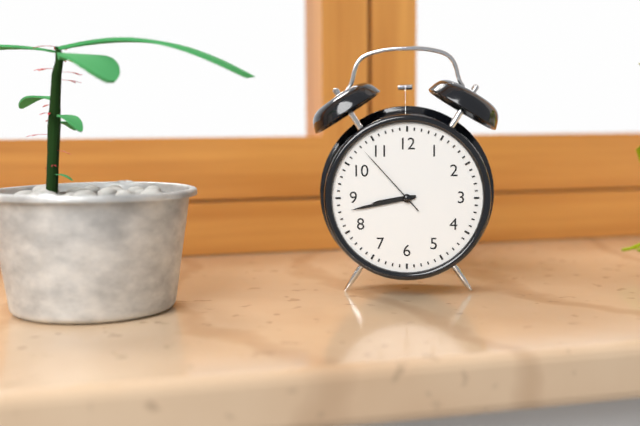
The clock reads 8,43,53
